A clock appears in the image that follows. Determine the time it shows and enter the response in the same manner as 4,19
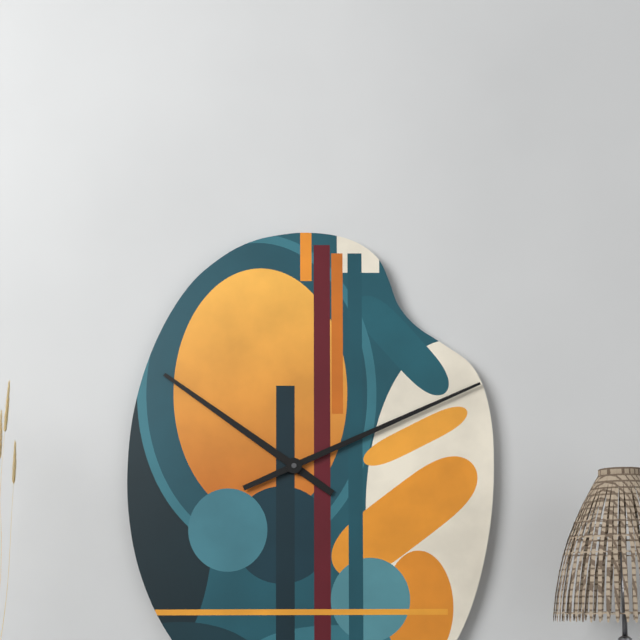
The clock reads 10,11
